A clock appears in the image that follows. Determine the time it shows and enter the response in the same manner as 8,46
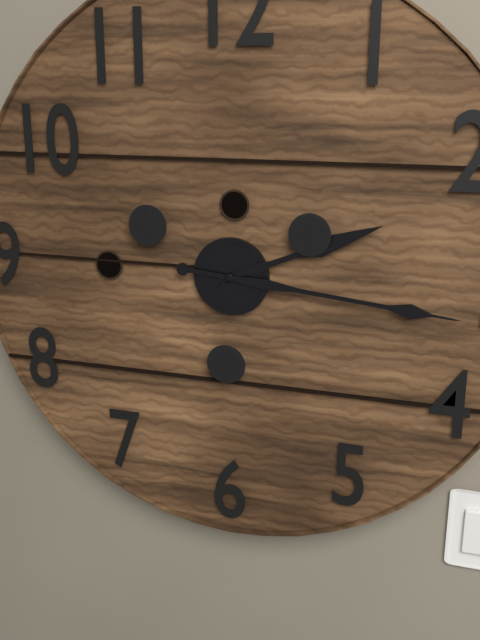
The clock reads 2,16
